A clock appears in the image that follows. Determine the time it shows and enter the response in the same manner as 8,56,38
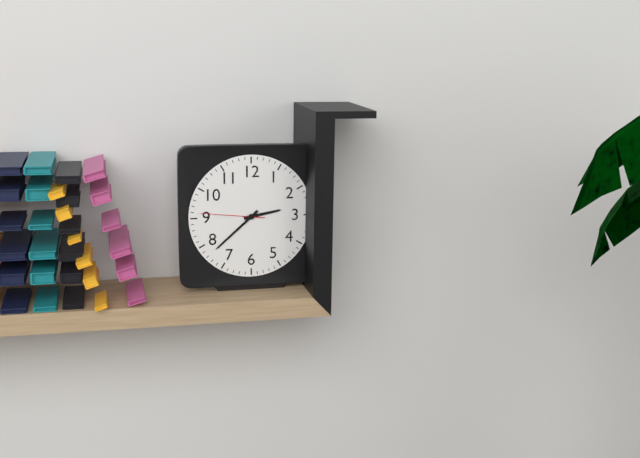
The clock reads 2,38,46
